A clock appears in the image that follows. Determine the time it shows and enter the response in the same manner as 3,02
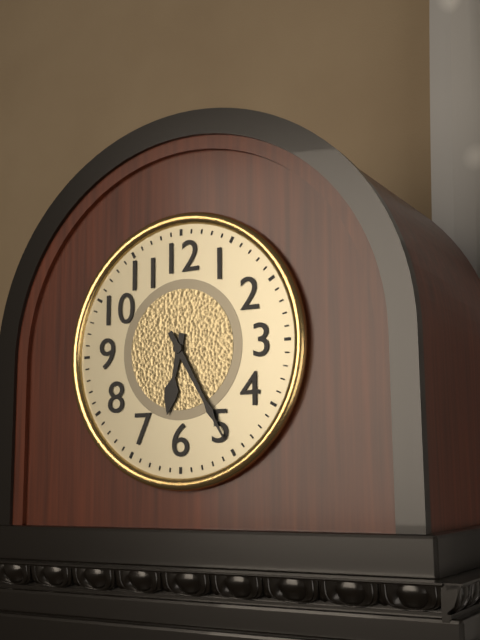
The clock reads 6,25
